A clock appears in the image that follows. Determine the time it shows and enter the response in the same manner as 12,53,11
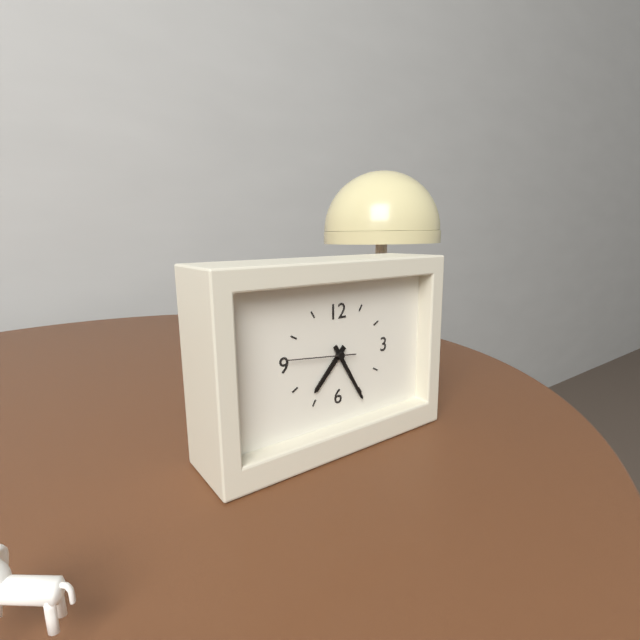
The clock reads 7,25,46
